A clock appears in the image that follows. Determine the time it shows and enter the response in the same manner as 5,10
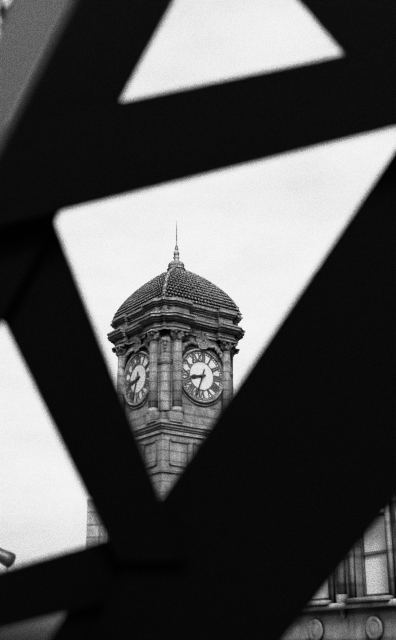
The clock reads 8,33
